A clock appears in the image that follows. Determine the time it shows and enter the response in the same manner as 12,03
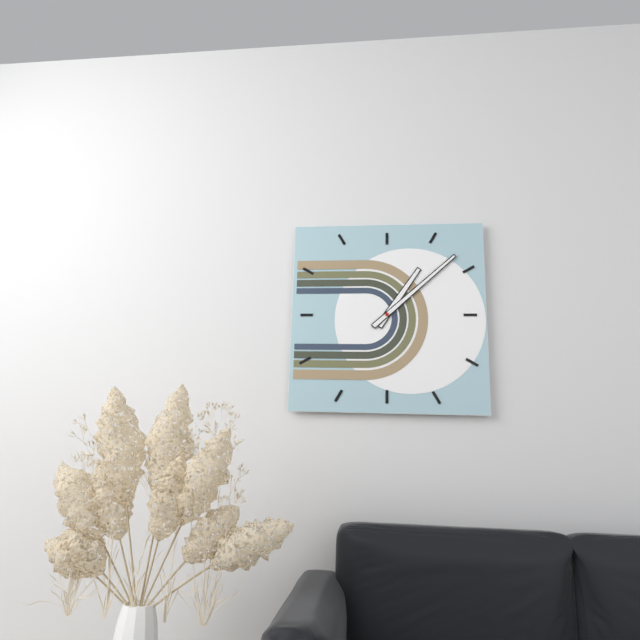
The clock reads 1,08
